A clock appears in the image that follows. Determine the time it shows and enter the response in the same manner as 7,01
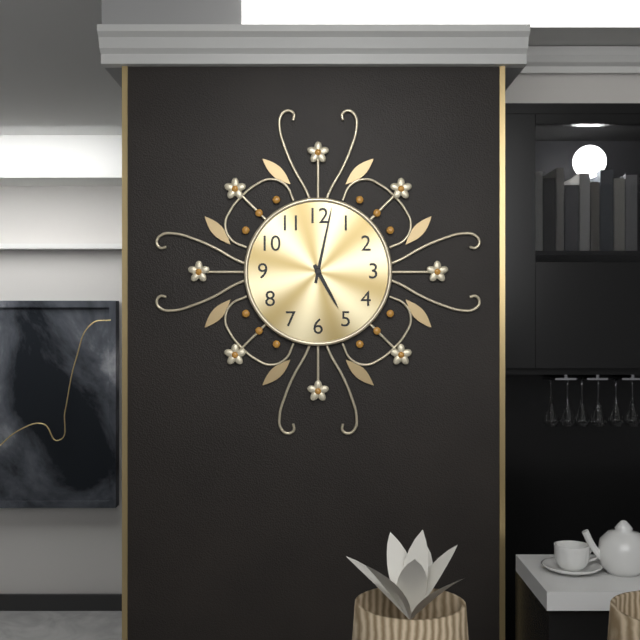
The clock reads 5,02
